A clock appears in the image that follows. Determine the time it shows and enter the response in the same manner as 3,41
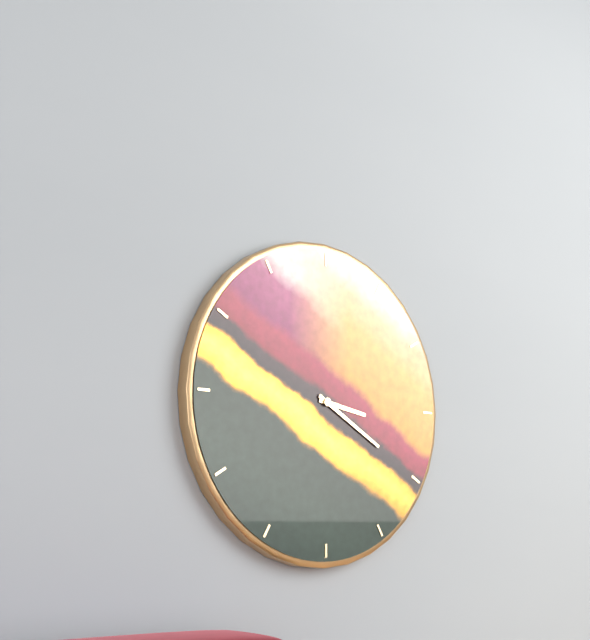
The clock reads 3,20
